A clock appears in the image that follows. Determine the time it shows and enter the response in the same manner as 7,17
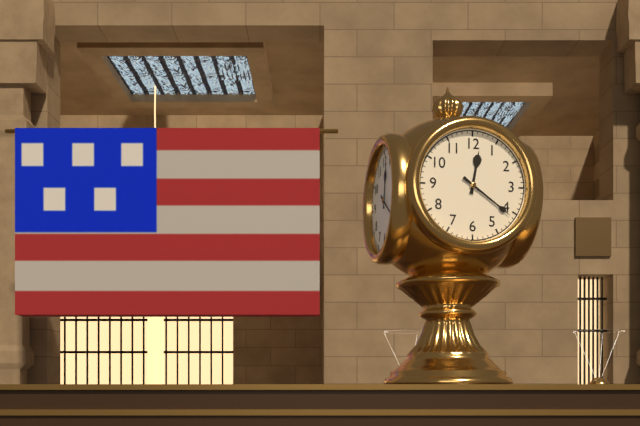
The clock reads 12,21
